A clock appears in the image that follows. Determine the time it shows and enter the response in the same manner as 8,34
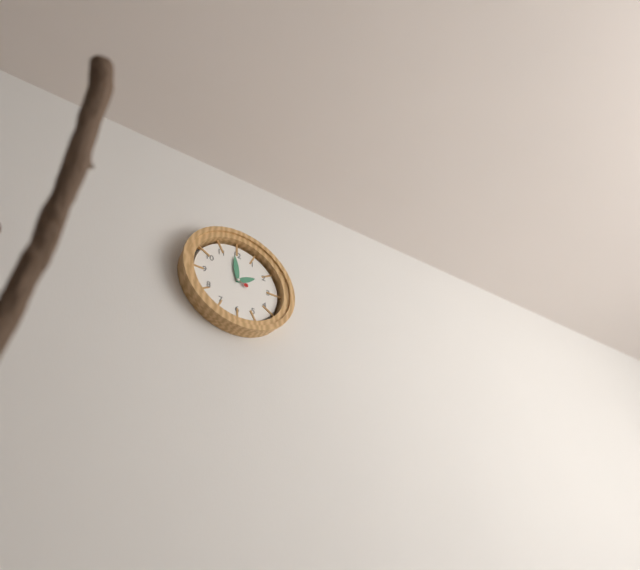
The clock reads 1,59
